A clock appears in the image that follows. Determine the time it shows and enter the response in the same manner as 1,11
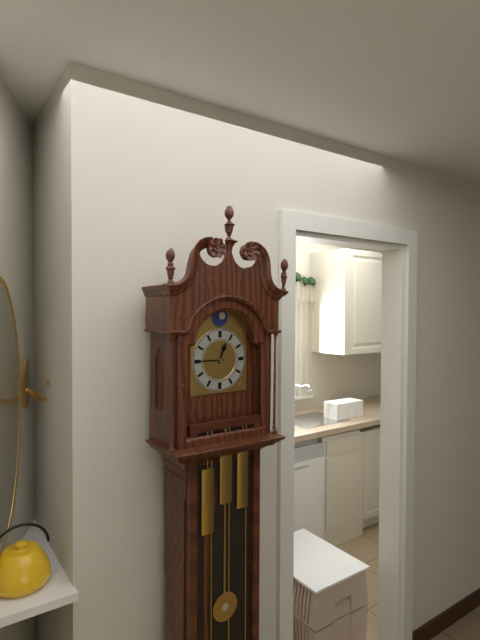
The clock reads 12,45
